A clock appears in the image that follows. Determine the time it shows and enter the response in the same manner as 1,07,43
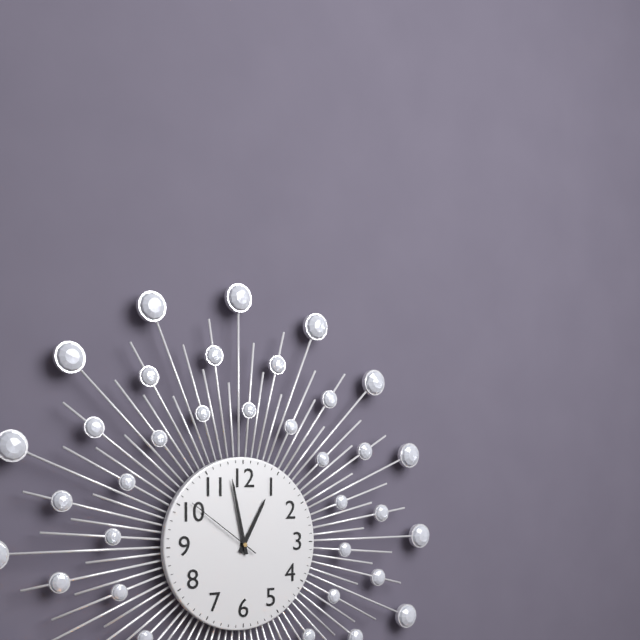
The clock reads 12,58,51
